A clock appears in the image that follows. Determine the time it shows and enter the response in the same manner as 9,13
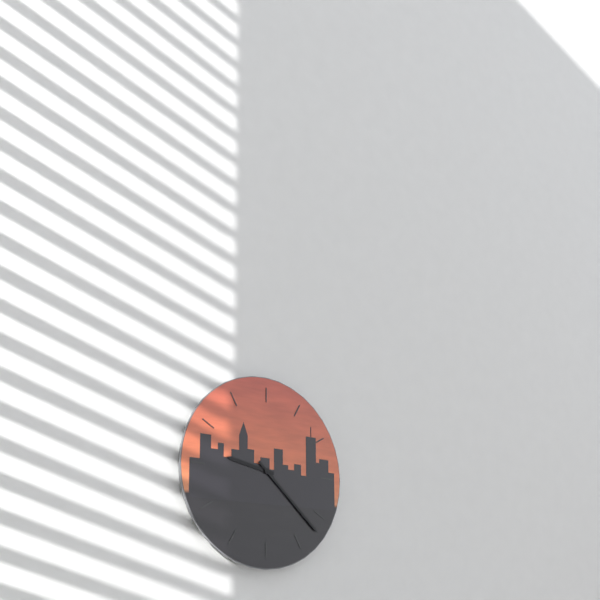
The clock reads 9,22
